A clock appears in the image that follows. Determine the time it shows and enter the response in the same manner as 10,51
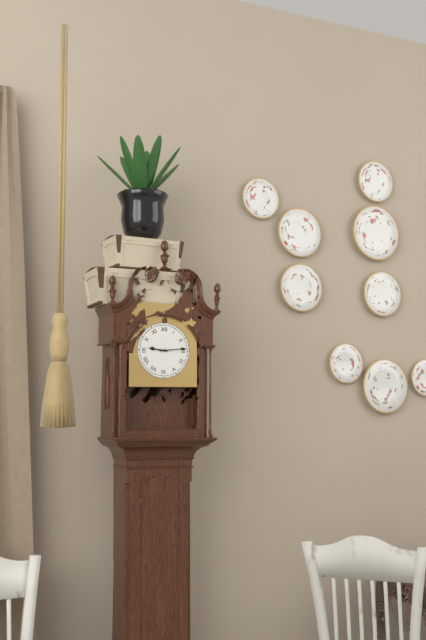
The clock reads 9,14
